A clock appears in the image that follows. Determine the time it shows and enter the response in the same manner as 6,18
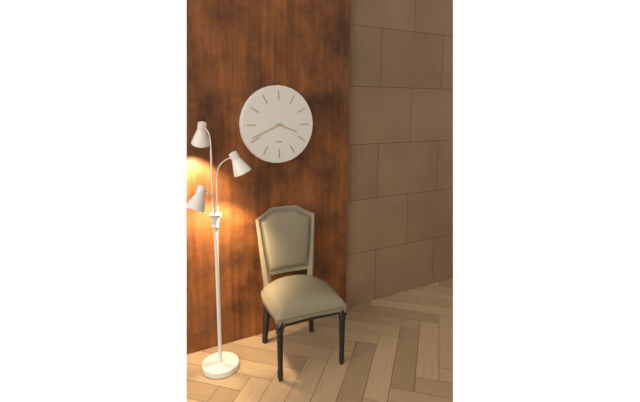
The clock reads 3,41
